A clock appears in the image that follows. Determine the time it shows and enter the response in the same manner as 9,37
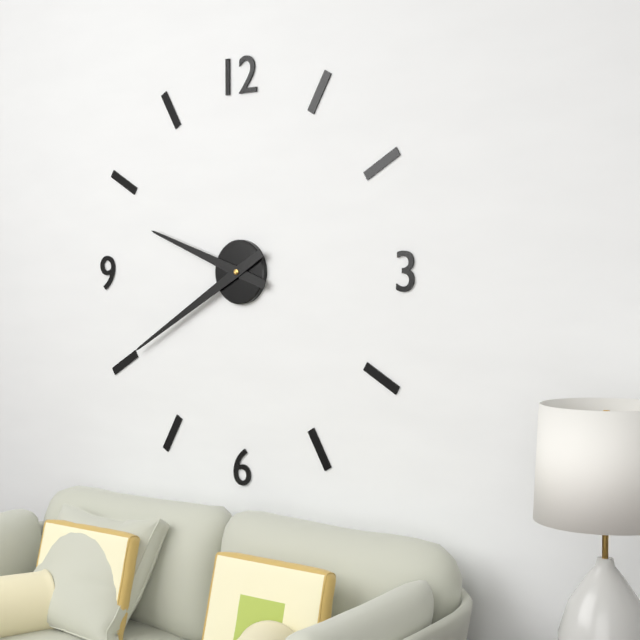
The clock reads 9,40
